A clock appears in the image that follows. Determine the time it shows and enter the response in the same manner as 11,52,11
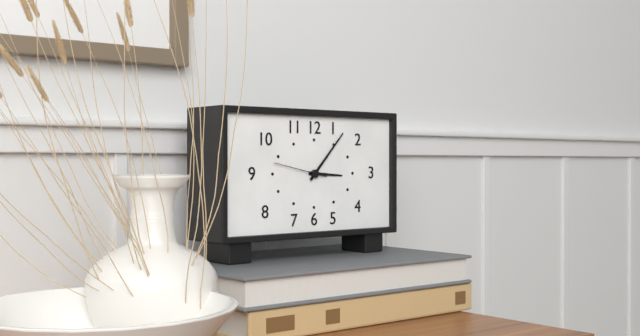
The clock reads 3,07,47
